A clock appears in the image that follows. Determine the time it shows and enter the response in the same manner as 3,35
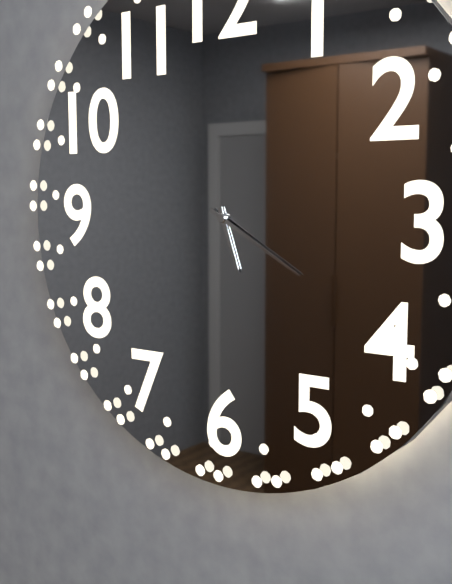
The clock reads 5,20
